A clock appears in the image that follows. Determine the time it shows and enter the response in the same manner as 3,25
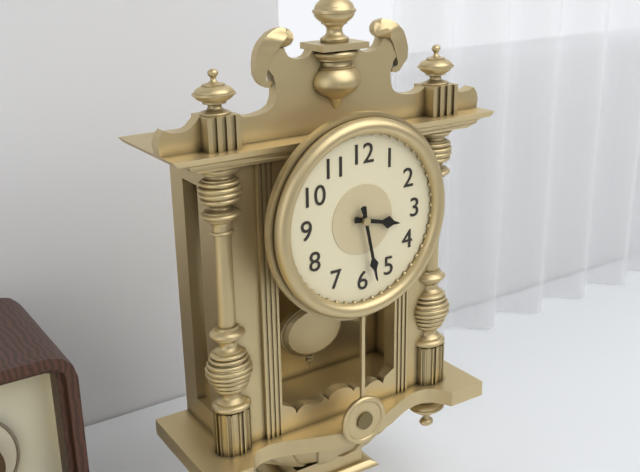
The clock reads 3,28
